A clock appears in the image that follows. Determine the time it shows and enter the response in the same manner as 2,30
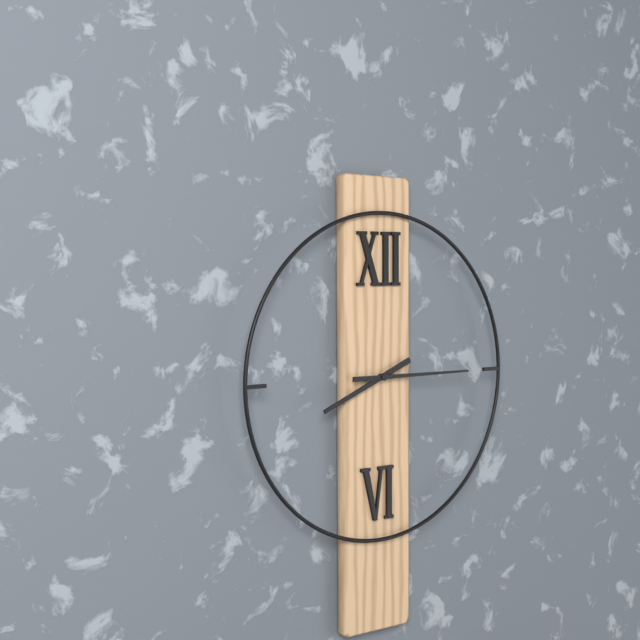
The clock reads 8,15
